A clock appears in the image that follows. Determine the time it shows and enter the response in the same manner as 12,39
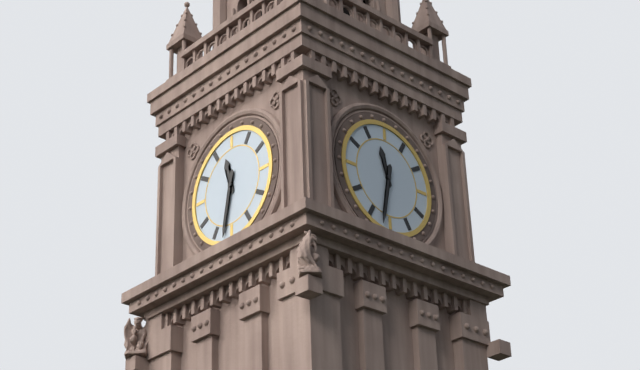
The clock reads 11,32
